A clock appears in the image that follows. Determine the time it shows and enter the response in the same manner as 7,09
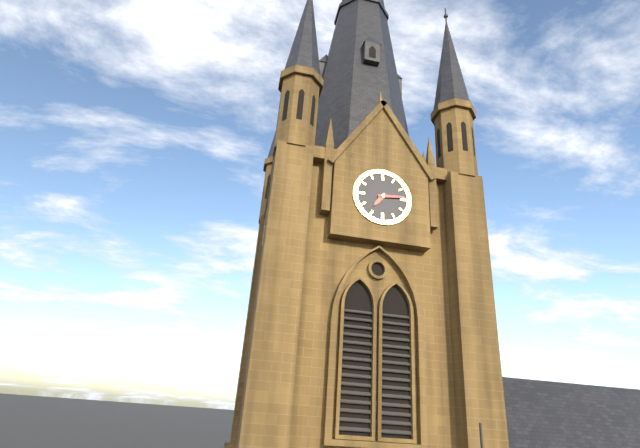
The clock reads 7,14
